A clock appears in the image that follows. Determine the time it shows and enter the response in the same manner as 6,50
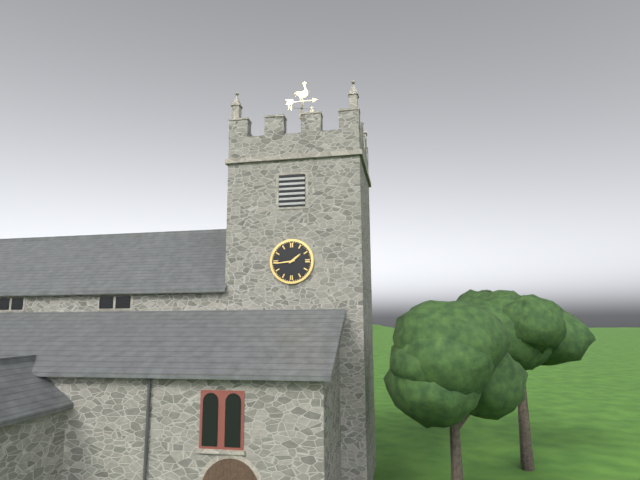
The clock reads 1,44
